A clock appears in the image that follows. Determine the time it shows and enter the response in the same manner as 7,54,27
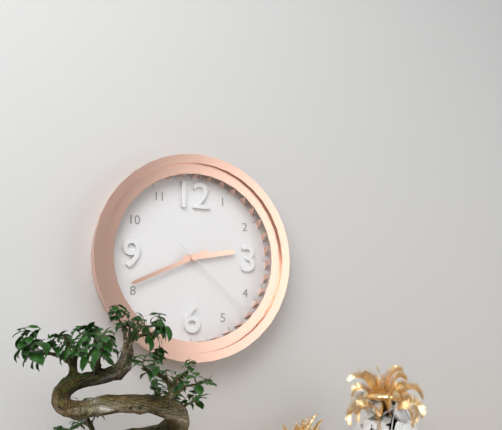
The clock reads 2,41,22
